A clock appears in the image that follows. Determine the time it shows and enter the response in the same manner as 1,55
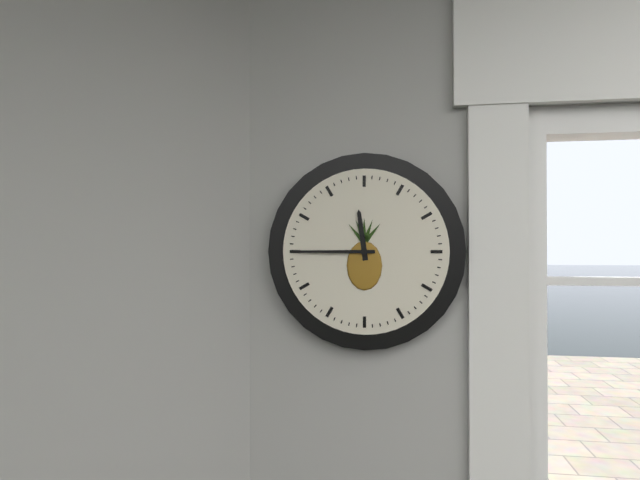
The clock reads 11,45
